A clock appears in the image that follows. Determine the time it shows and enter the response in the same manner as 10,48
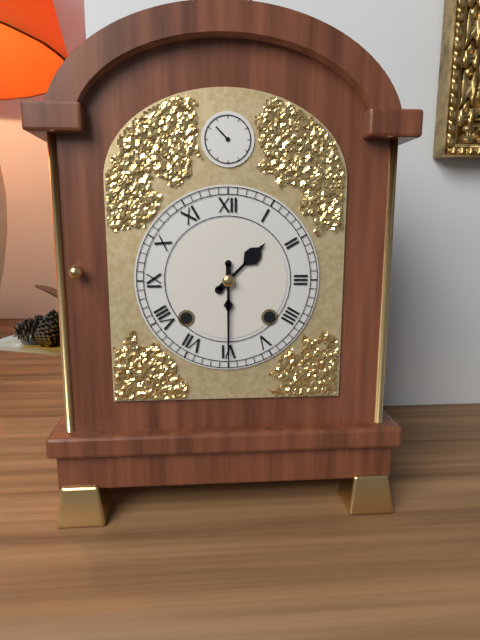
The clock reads 1,30
